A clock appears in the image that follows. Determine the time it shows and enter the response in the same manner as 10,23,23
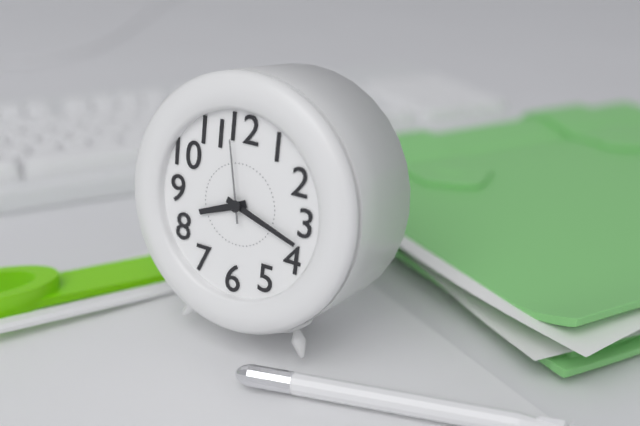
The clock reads 8,18,58
